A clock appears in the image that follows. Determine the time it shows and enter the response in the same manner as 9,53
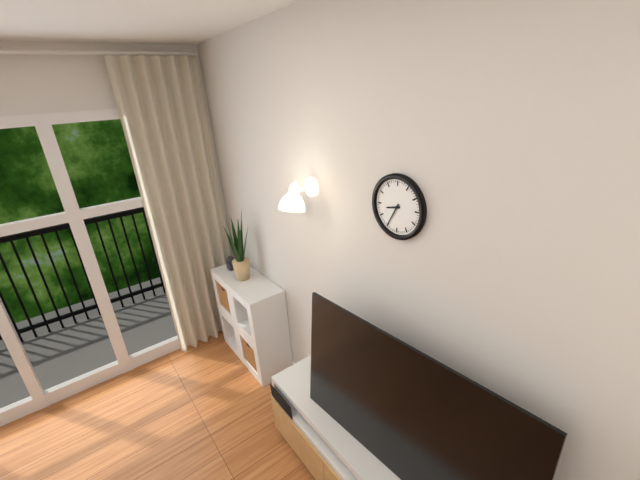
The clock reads 8,35
